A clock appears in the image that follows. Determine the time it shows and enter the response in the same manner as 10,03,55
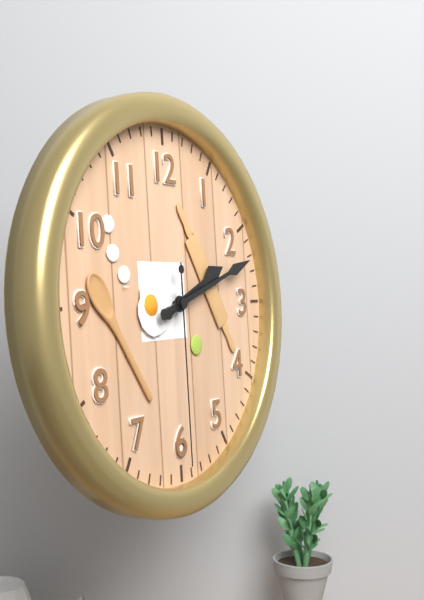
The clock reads 2,12,30
